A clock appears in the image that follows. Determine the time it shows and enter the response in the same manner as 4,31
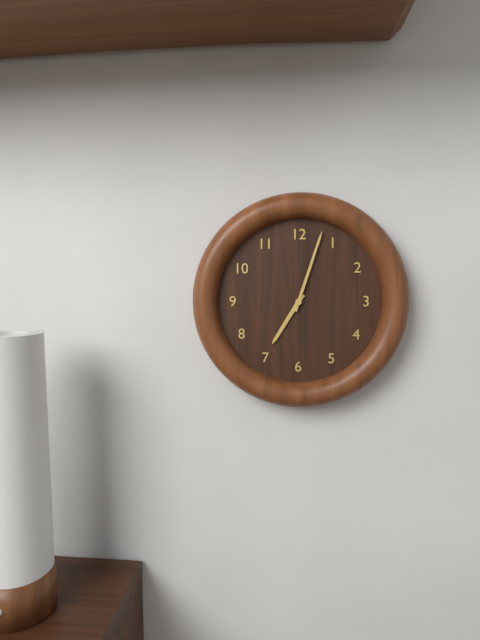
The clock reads 7,03
